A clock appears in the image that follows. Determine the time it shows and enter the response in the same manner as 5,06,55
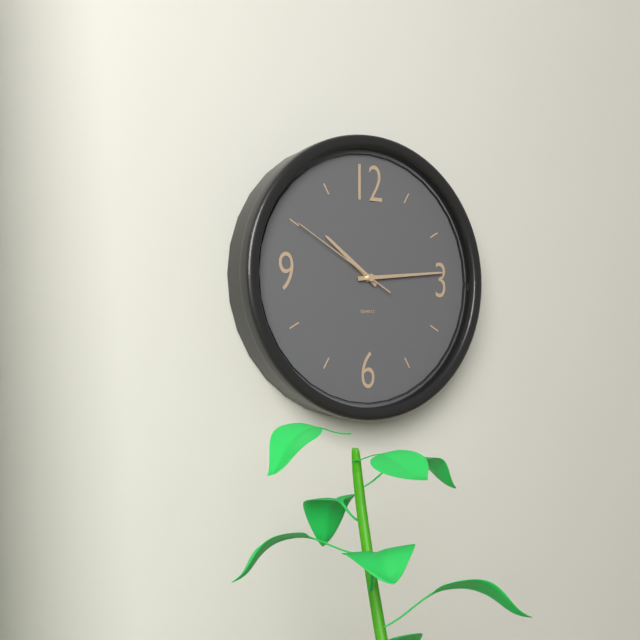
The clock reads 10,14,50
